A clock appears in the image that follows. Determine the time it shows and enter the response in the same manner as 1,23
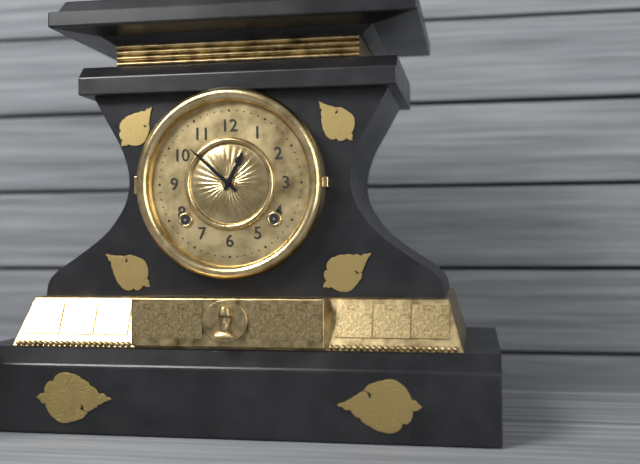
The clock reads 12,52
